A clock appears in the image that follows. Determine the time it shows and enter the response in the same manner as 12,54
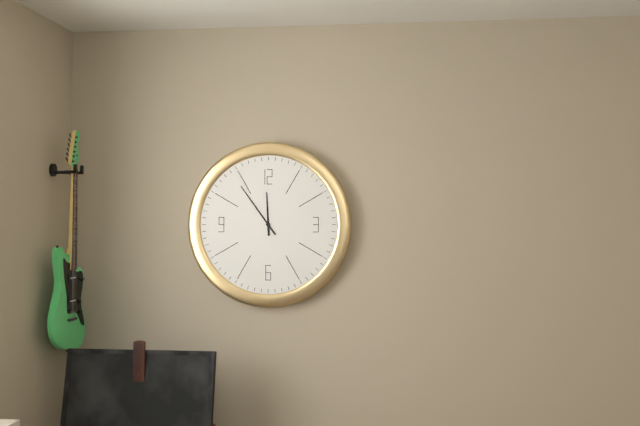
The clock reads 11,54
